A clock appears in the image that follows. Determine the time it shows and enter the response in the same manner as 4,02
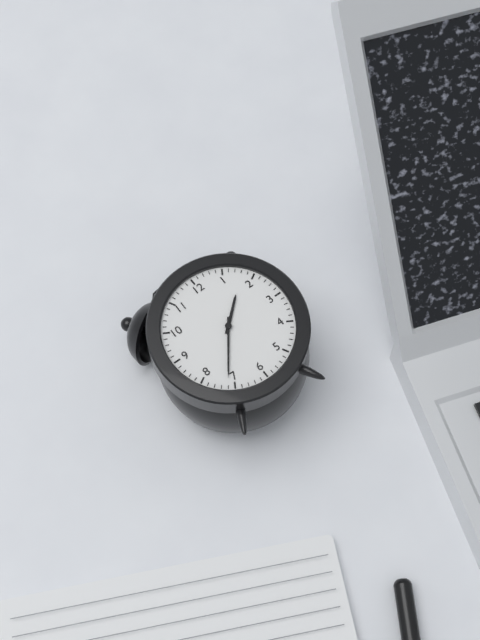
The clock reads 1,36
